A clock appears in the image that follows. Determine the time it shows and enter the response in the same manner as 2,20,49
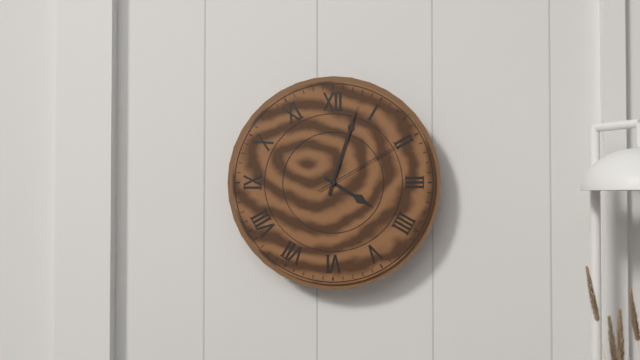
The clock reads 4,03,10
